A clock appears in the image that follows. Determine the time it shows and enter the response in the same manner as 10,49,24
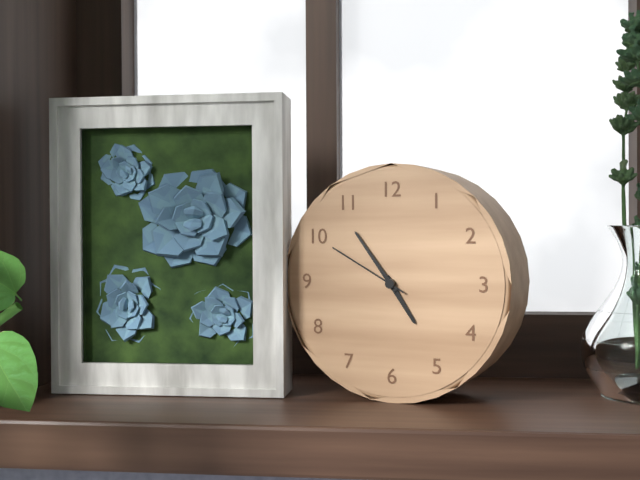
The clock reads 4,54,50
